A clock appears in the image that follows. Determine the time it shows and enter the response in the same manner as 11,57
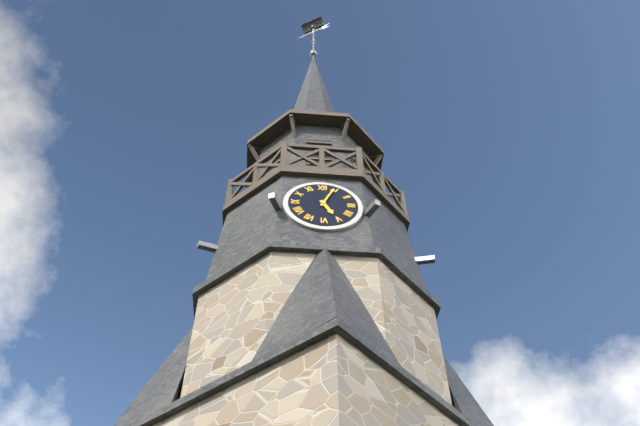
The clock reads 5,04
